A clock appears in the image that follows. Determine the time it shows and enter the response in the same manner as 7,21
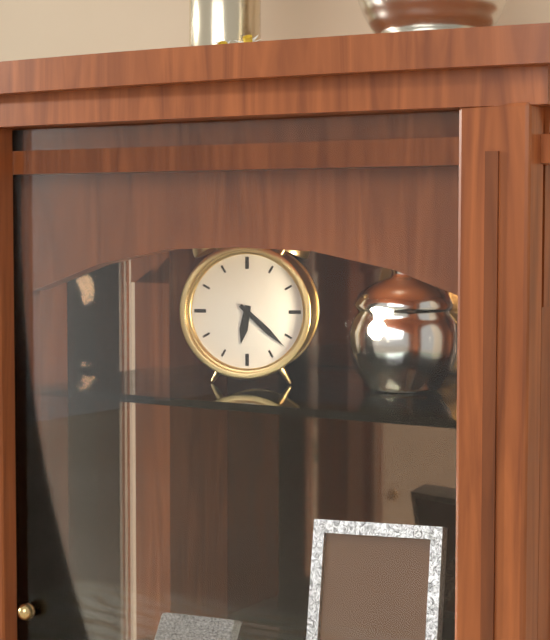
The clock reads 6,22
